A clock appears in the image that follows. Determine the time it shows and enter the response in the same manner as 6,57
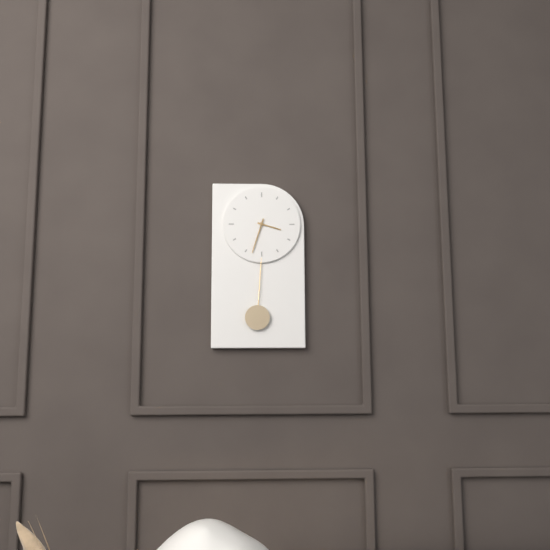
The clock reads 3,33
